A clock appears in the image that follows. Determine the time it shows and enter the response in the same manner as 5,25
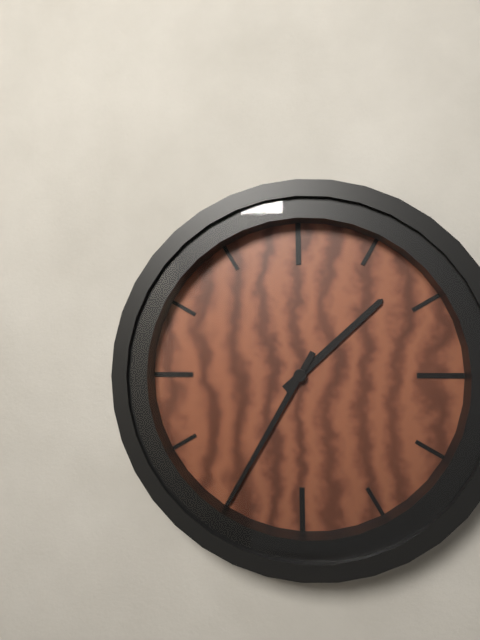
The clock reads 1,35
